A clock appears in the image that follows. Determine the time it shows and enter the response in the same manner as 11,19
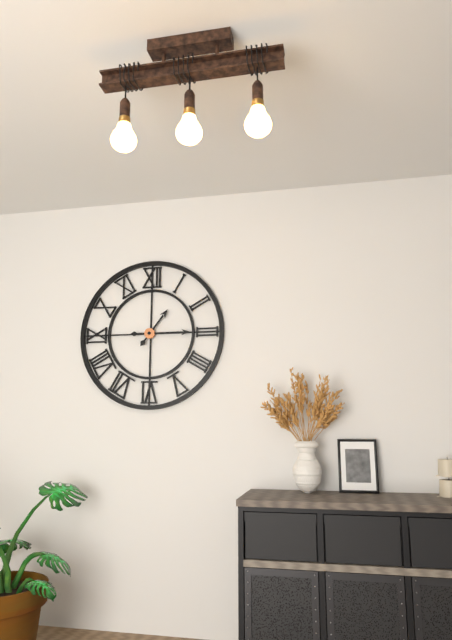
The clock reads 1,15
